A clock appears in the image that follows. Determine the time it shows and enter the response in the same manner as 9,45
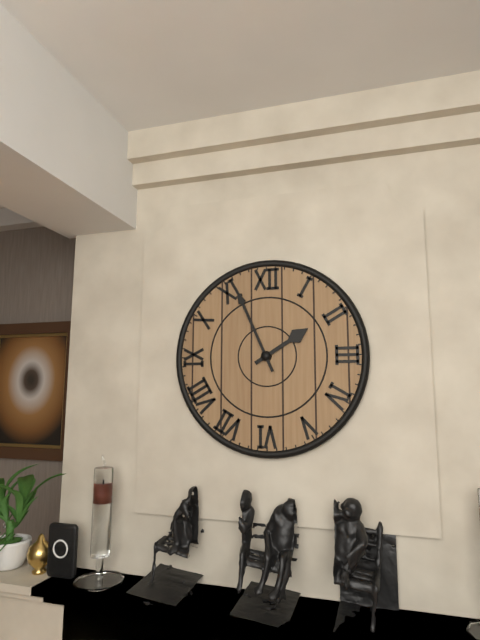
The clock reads 1,56
